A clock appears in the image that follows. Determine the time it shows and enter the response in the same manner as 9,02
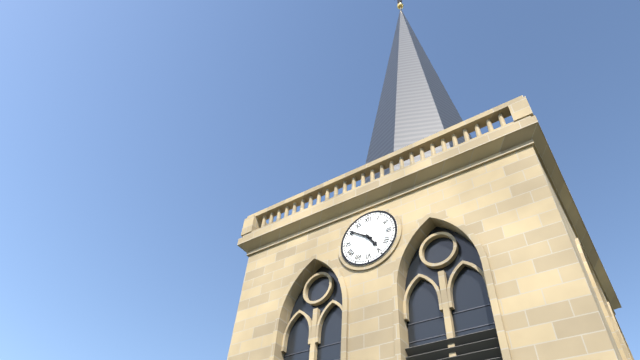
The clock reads 4,51
